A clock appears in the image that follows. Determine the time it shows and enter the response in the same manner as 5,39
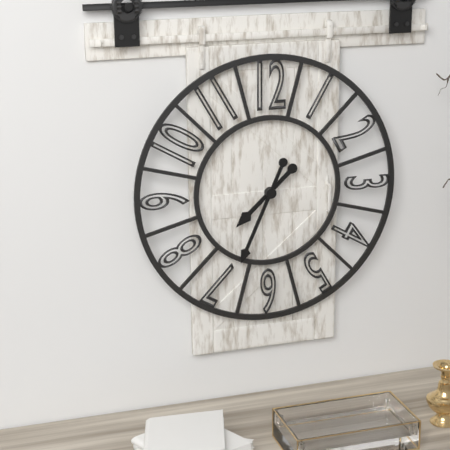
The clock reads 7,34
